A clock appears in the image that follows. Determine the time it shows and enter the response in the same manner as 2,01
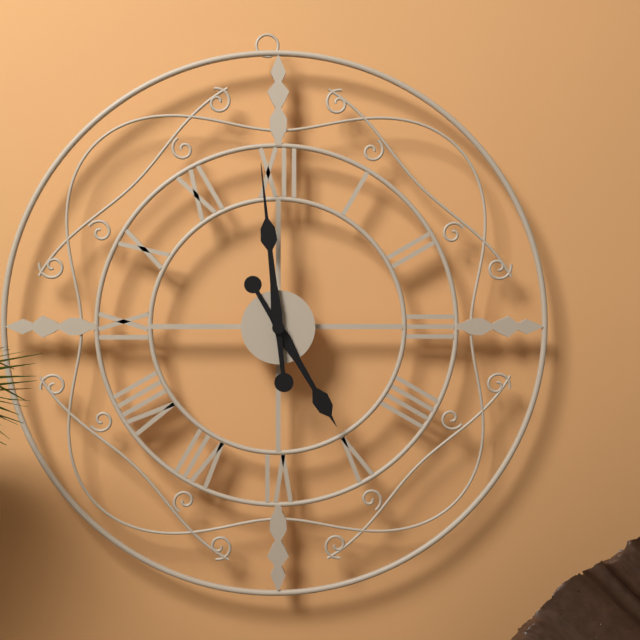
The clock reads 4,59
